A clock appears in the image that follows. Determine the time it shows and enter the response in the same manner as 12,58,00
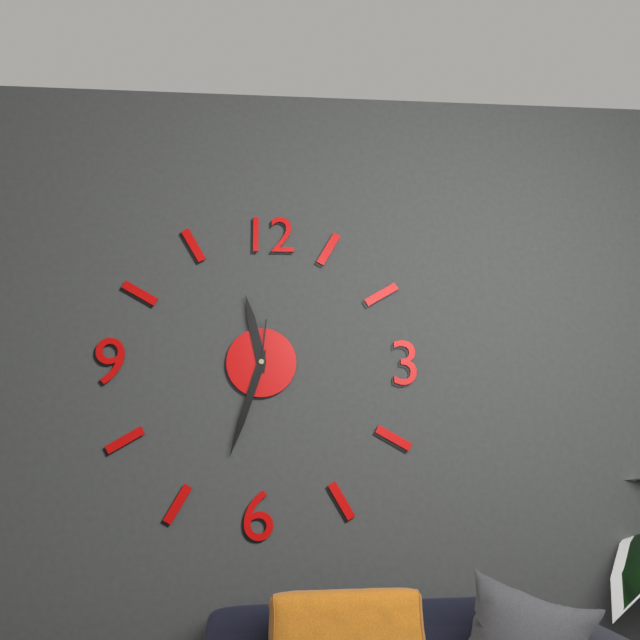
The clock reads 11,33,01
